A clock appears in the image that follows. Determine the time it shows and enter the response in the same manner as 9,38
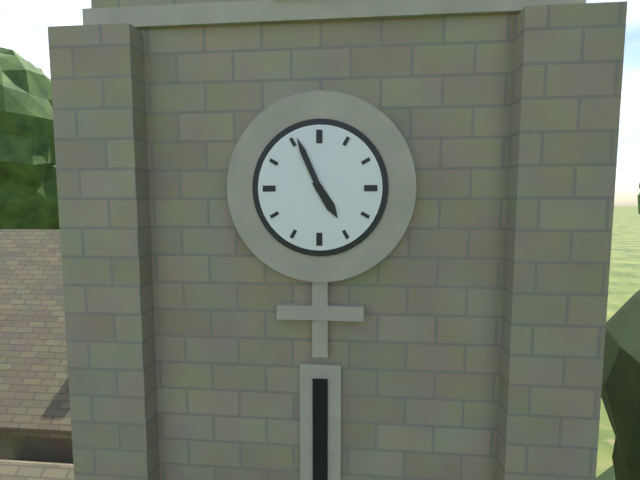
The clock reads 4,56
